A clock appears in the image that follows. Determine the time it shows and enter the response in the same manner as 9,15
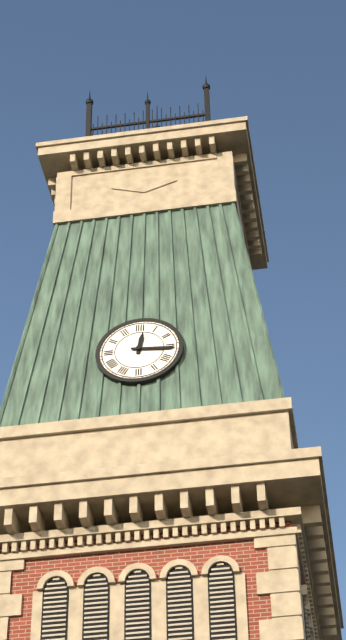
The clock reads 12,16
